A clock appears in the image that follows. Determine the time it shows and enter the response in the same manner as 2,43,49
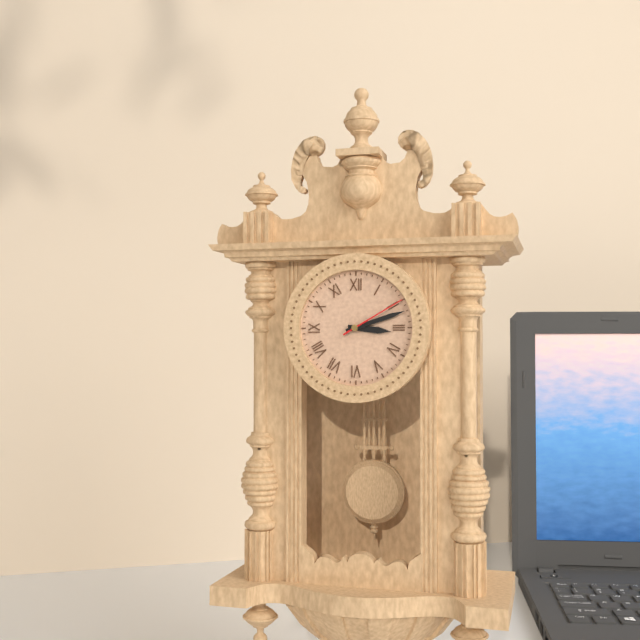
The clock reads 3,12,10
